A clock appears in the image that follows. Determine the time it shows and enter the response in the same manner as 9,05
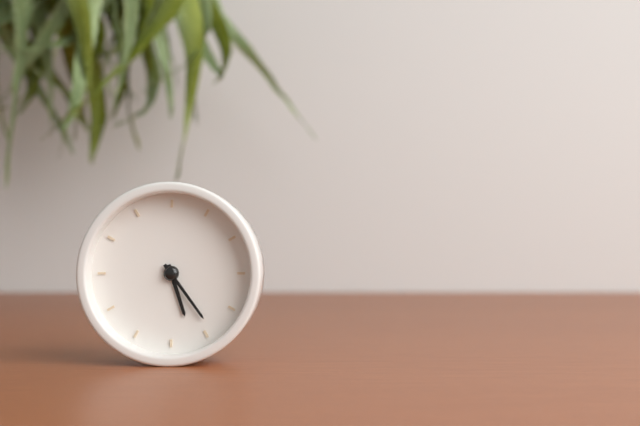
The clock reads 5,24
